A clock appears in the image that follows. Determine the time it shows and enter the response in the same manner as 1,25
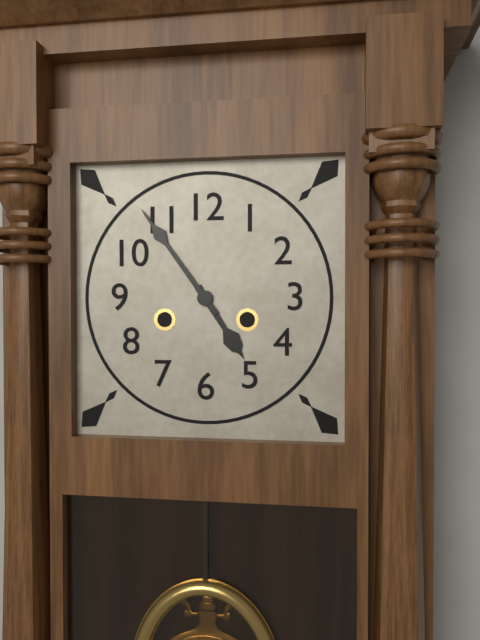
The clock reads 4,54
